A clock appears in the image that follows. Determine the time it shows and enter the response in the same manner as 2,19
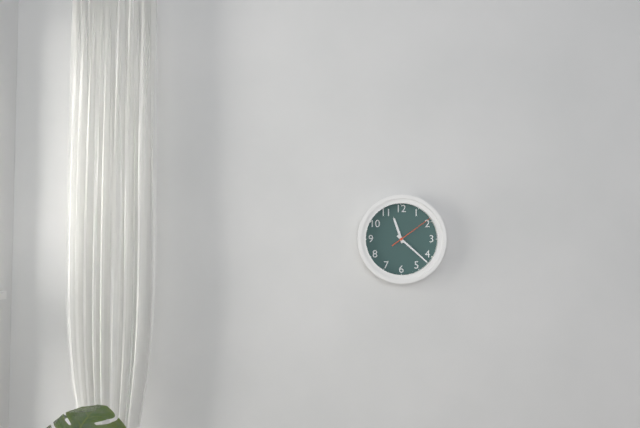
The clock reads 11,22
